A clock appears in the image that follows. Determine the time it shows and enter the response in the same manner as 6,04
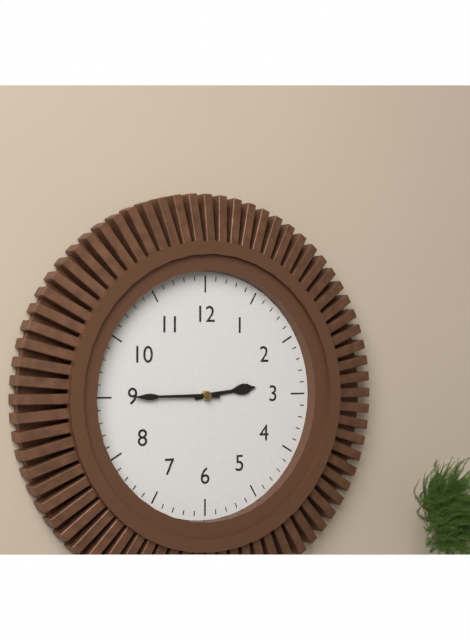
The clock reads 2,45
